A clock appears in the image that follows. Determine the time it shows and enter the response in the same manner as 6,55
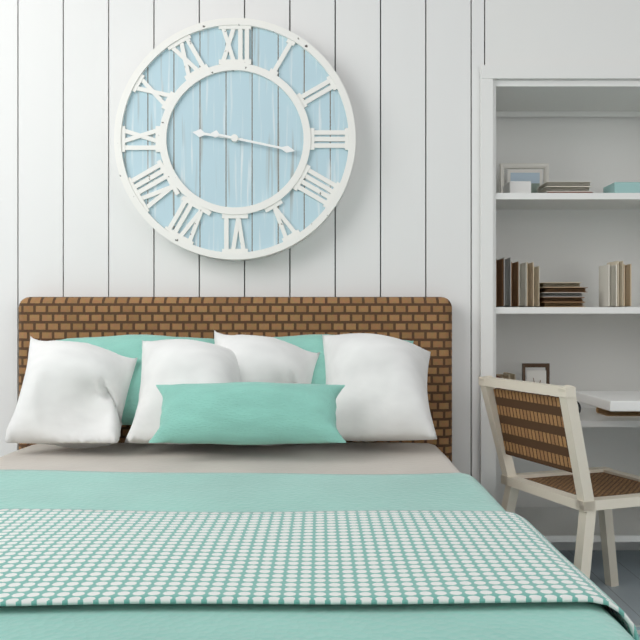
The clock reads 9,17
